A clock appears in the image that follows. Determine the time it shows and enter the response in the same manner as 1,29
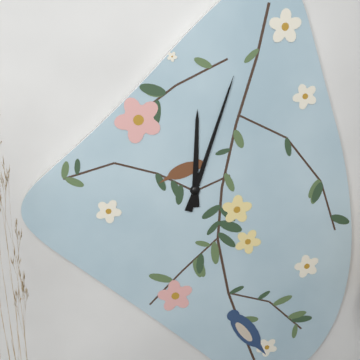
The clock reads 12,03
